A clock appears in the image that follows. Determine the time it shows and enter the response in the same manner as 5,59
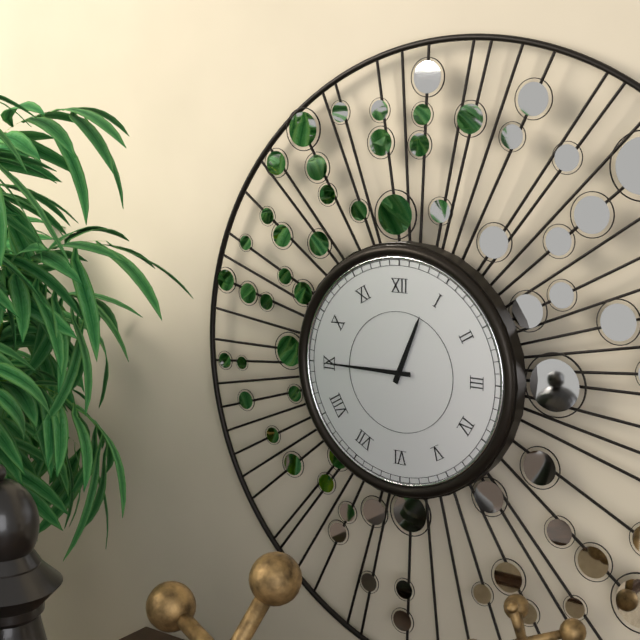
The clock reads 12,45
